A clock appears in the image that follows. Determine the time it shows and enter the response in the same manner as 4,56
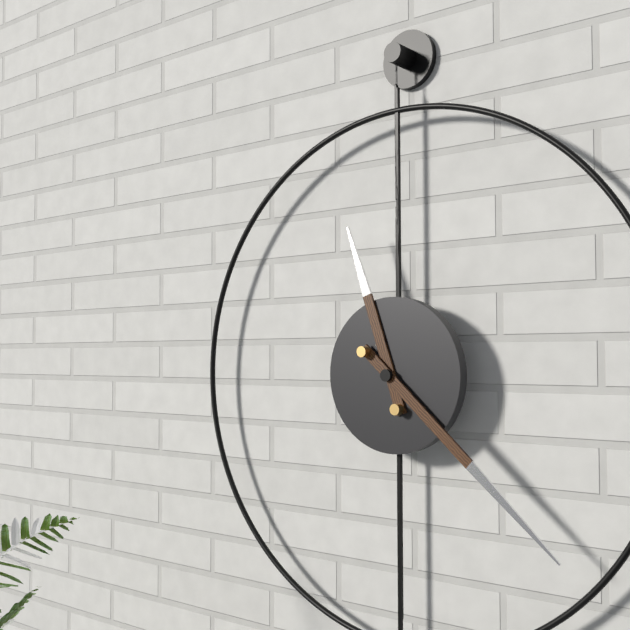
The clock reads 11,22
